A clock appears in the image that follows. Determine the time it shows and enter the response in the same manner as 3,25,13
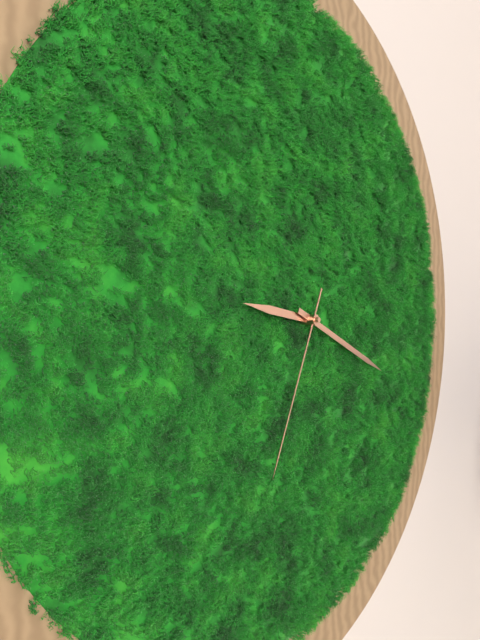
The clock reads 9,19,34
